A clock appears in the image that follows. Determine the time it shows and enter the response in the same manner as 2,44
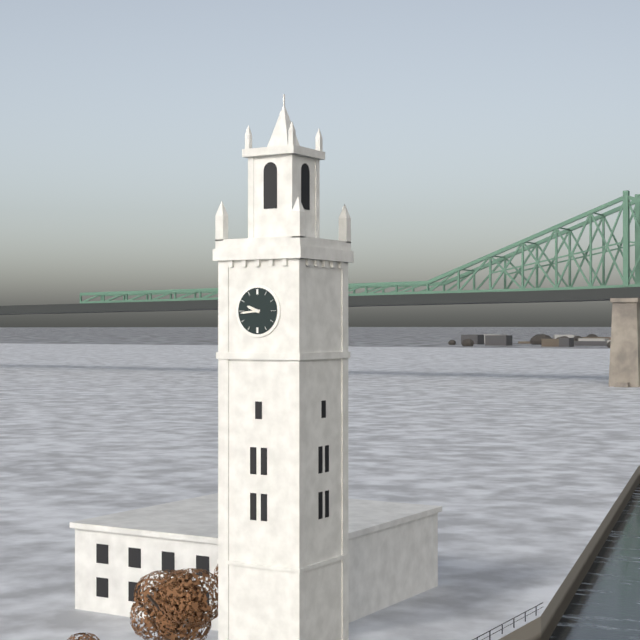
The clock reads 9,44
